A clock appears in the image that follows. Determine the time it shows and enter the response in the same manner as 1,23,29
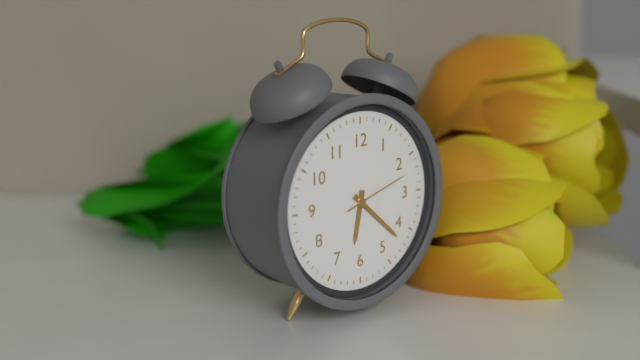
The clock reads 6,22,12
